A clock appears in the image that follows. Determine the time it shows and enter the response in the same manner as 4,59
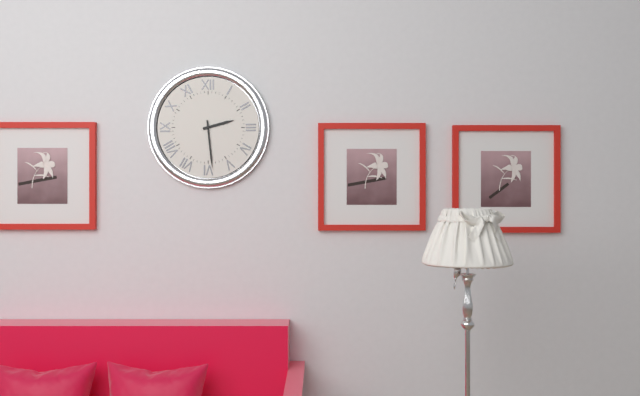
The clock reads 2,29
